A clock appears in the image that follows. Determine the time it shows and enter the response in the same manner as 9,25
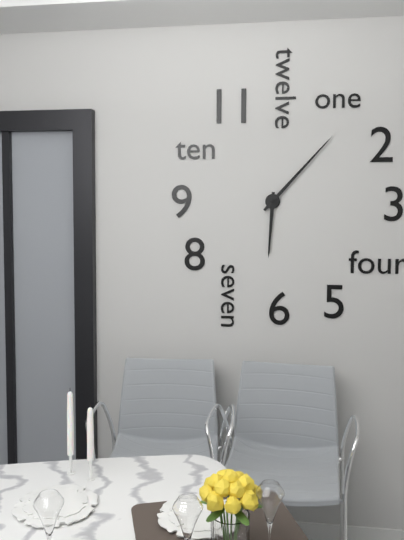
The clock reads 6,07
